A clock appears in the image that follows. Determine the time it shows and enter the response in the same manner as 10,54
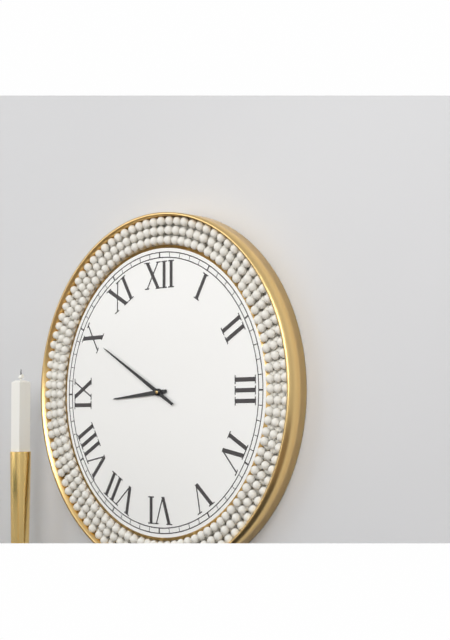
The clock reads 8,50
